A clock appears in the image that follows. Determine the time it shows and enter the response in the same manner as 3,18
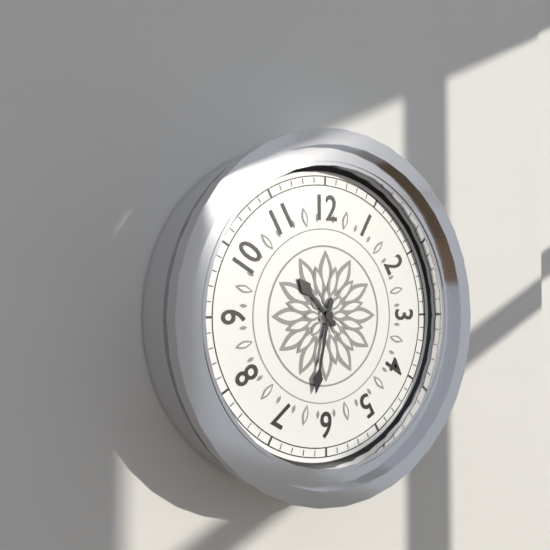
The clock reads 10,32
